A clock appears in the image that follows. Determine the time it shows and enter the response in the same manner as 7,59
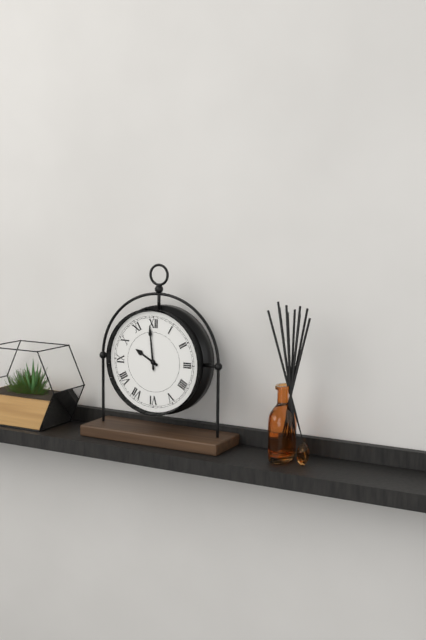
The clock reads 9,59
